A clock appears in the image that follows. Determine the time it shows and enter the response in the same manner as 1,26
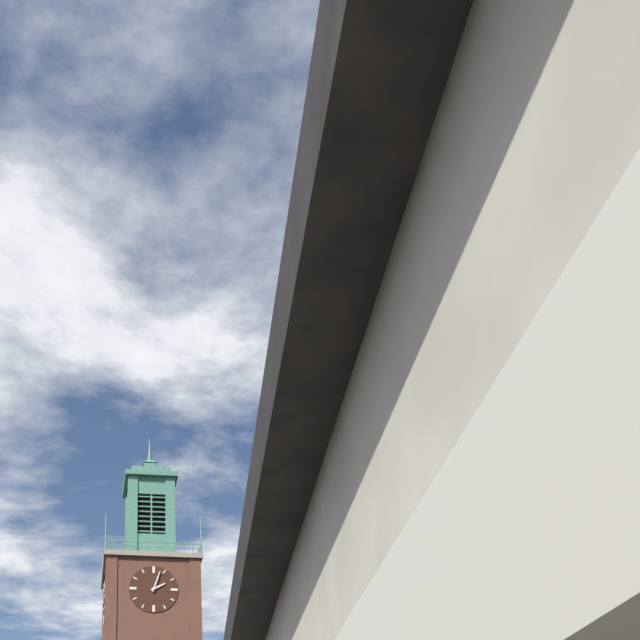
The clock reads 2,03
